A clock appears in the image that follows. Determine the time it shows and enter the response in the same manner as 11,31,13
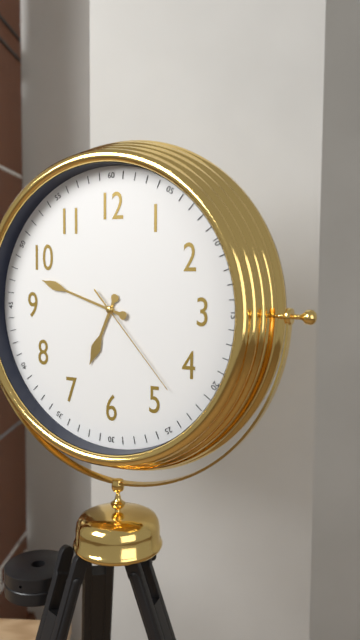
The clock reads 6,48,23
